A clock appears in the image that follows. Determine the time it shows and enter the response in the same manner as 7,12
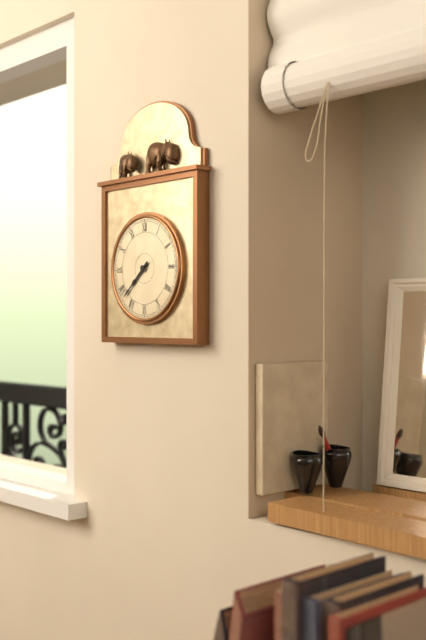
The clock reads 7,38
